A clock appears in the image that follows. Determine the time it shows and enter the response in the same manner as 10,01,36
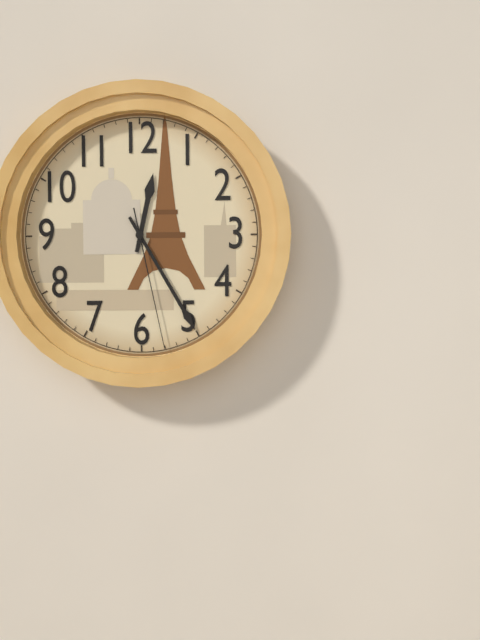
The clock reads 12,25,28
